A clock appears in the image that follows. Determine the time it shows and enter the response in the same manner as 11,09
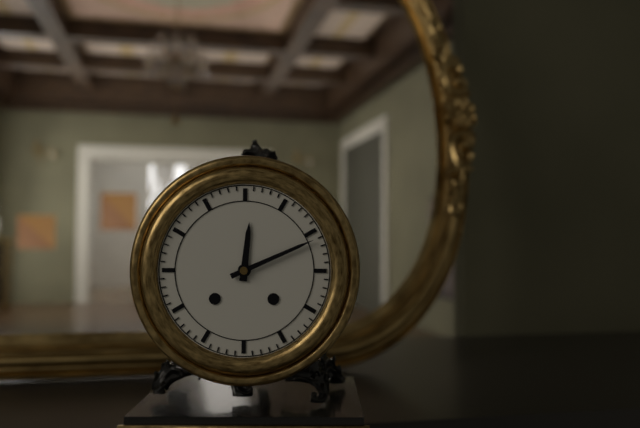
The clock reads 12,11
